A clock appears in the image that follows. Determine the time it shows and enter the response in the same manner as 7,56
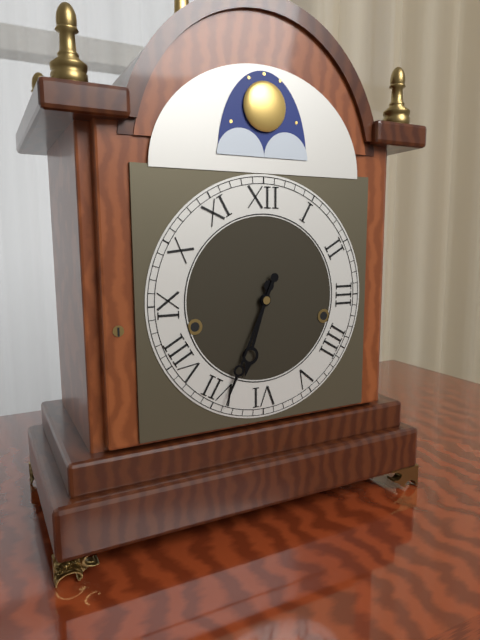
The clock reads 6,34
